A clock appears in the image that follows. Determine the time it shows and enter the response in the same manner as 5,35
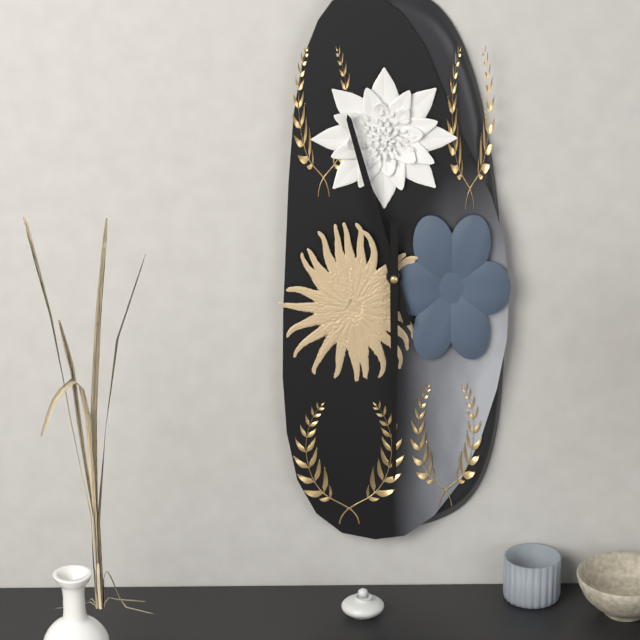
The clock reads 11,30
